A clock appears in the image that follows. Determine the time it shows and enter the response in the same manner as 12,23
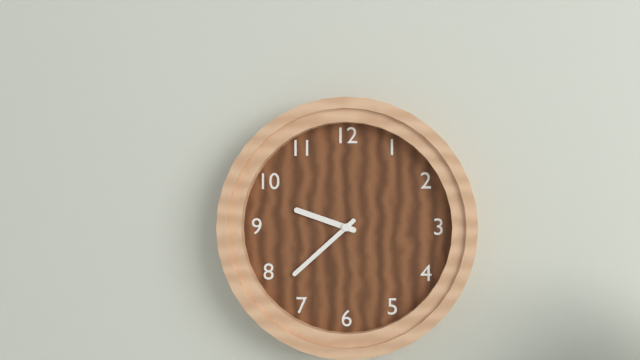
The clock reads 9,38
